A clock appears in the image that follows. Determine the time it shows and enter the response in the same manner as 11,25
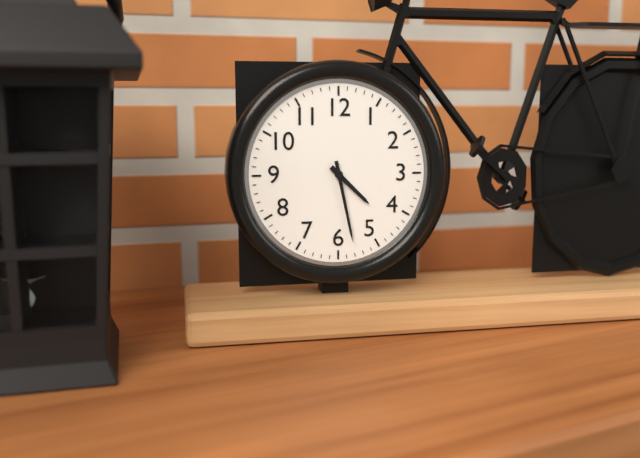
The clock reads 4,28
